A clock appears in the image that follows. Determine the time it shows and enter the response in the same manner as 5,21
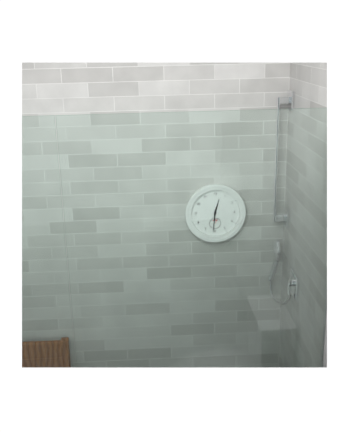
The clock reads 12,31
